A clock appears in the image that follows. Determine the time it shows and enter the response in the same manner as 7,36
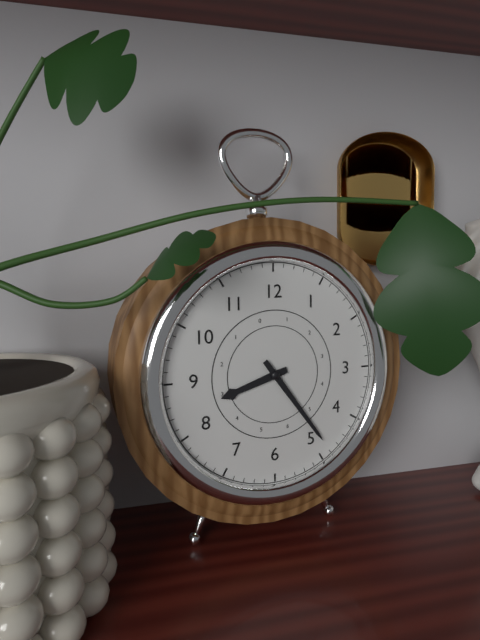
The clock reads 8,24
